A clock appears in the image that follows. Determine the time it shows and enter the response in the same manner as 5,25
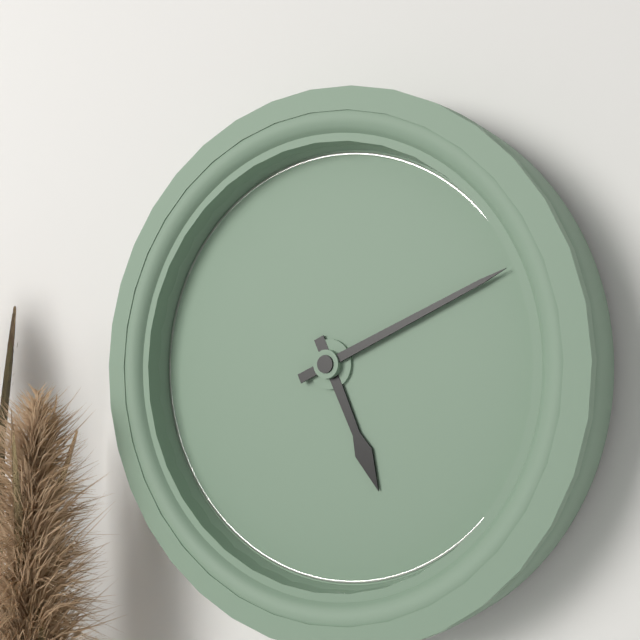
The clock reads 5,11
